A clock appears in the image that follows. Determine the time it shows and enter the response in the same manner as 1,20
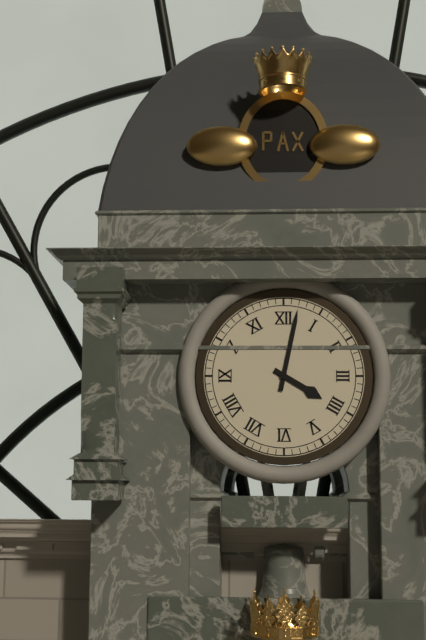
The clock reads 4,02
